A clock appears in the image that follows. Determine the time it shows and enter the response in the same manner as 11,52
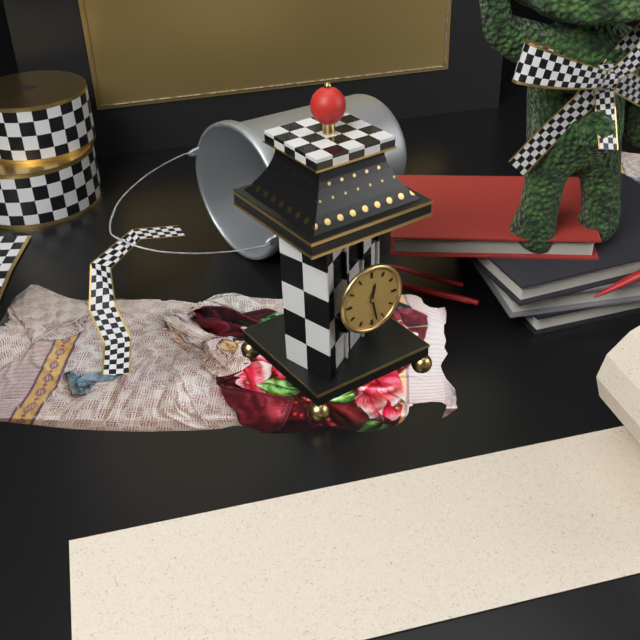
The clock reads 12,28
